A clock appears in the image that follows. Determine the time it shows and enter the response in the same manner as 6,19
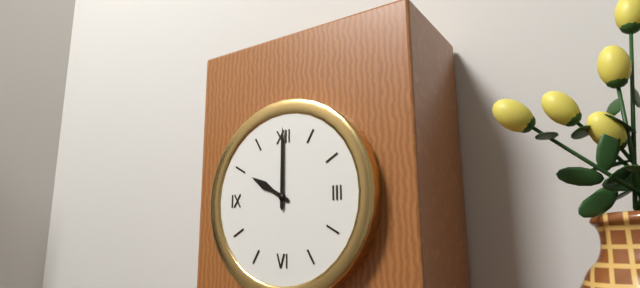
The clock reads 10,00
